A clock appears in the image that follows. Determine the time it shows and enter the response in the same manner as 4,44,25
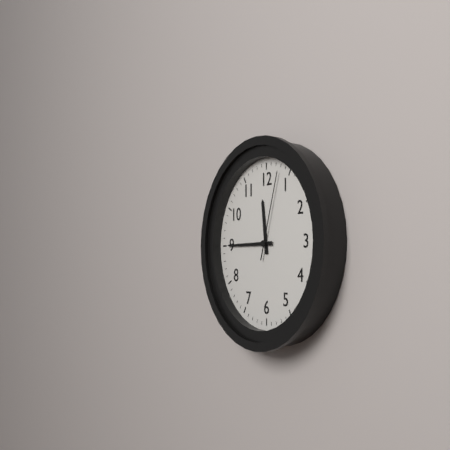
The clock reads 11,45,03
